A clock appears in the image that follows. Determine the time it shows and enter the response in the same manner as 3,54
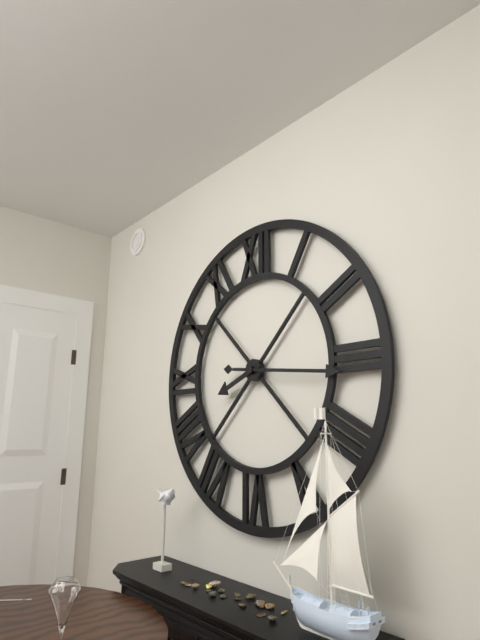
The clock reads 8,16
